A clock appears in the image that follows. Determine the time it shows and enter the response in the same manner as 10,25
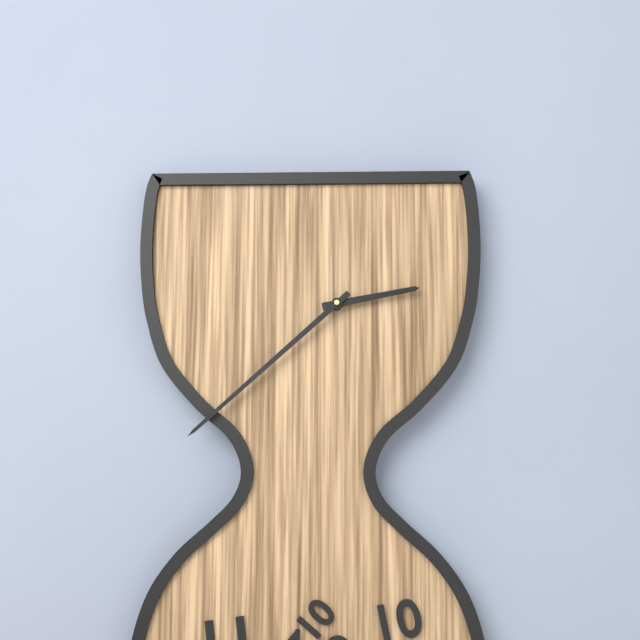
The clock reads 2,38
